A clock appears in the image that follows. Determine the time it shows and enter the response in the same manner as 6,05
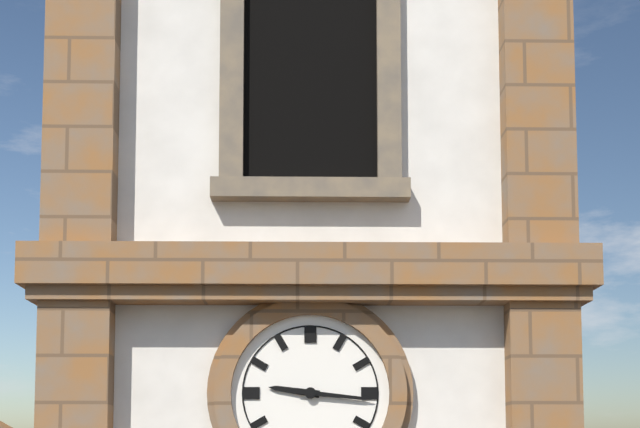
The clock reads 9,16
